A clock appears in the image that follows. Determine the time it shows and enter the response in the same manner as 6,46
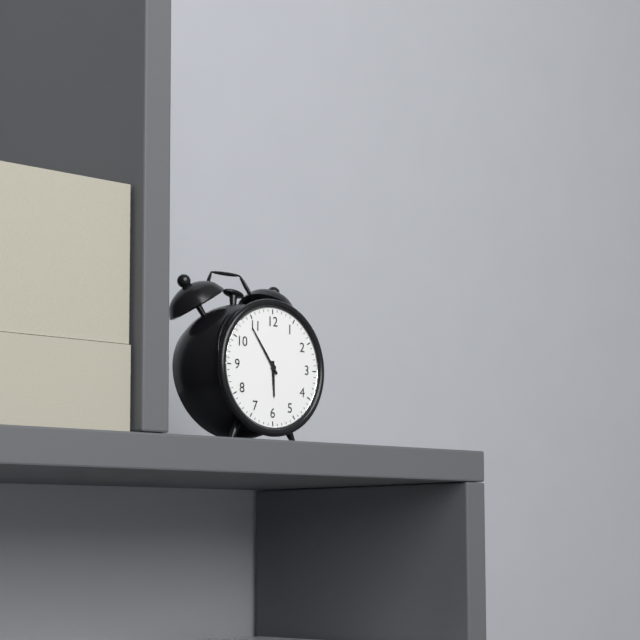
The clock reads 5,54
